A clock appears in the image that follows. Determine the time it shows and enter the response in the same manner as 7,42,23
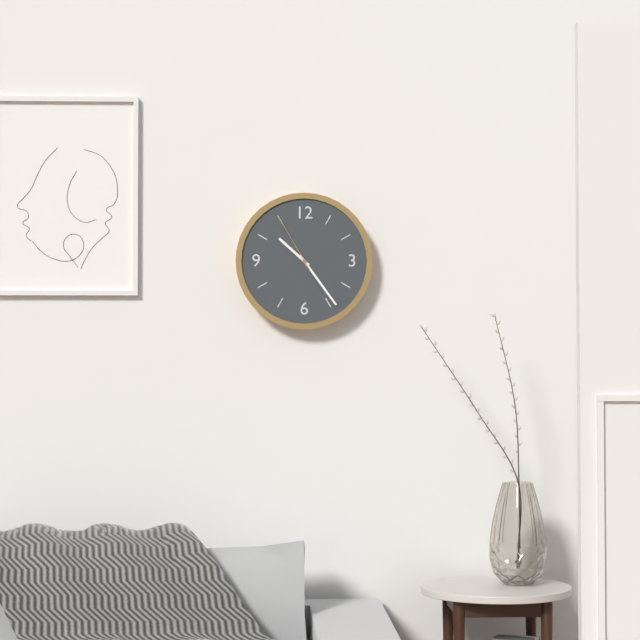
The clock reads 10,24,55
